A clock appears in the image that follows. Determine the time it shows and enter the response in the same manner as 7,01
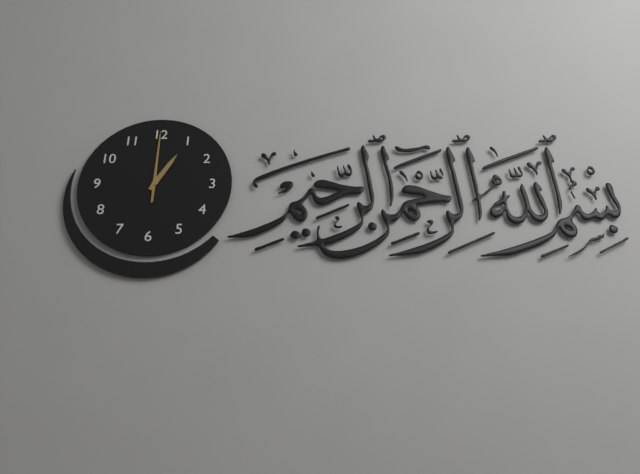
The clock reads 1,00
